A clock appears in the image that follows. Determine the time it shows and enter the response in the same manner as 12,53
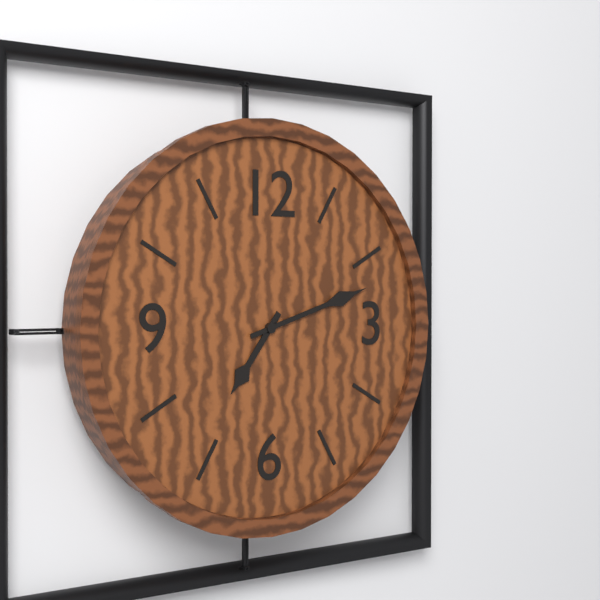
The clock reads 7,12
